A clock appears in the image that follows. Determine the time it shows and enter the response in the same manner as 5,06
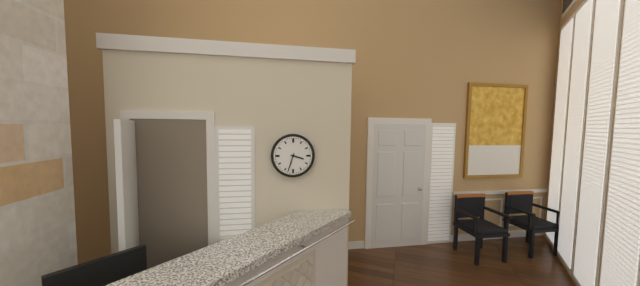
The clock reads 3,33
